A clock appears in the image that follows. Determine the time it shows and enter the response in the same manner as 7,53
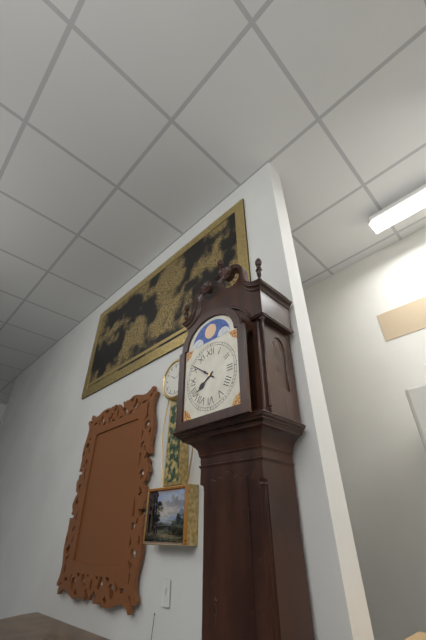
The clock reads 7,51
